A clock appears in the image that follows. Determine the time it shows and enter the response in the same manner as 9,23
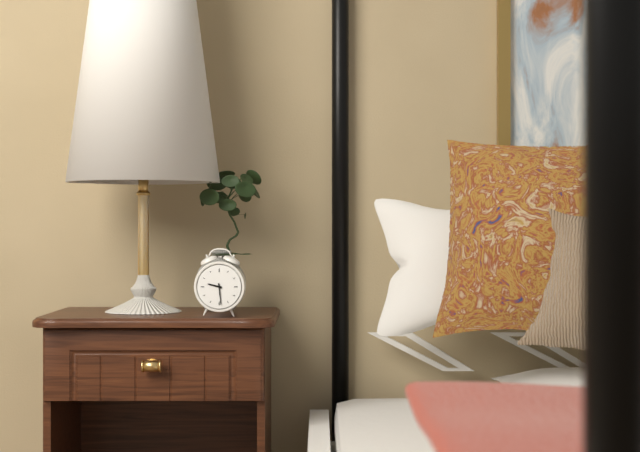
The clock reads 9,29
